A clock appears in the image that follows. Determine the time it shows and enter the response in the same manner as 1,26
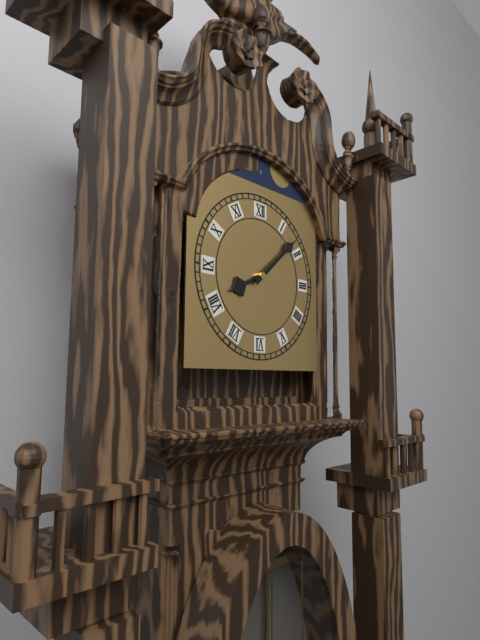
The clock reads 8,08
